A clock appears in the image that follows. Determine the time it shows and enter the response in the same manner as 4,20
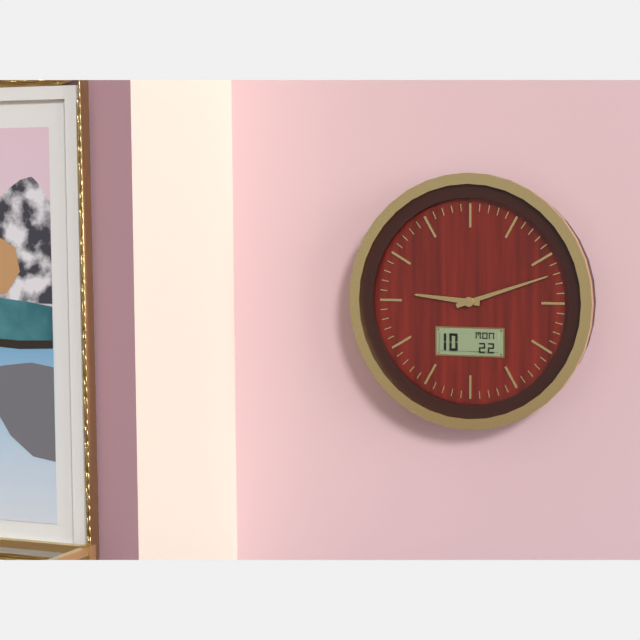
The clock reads 9,12
